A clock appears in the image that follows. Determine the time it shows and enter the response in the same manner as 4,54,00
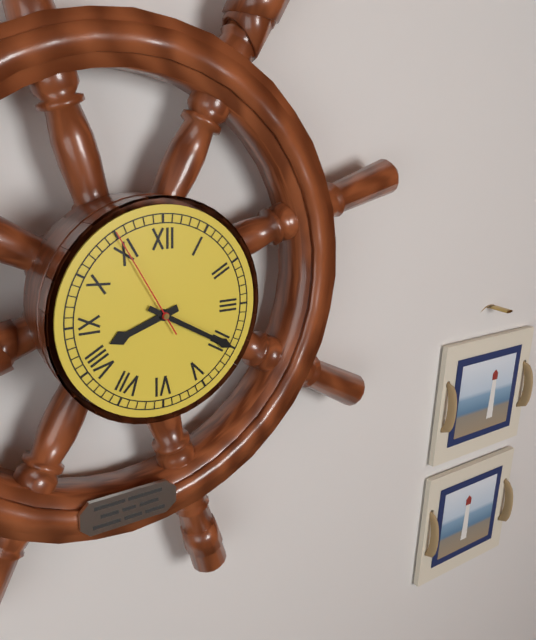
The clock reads 8,20,55
